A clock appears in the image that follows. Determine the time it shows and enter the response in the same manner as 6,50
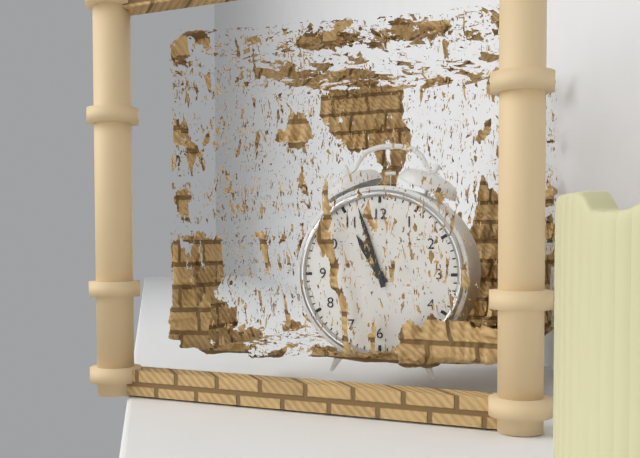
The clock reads 10,57
